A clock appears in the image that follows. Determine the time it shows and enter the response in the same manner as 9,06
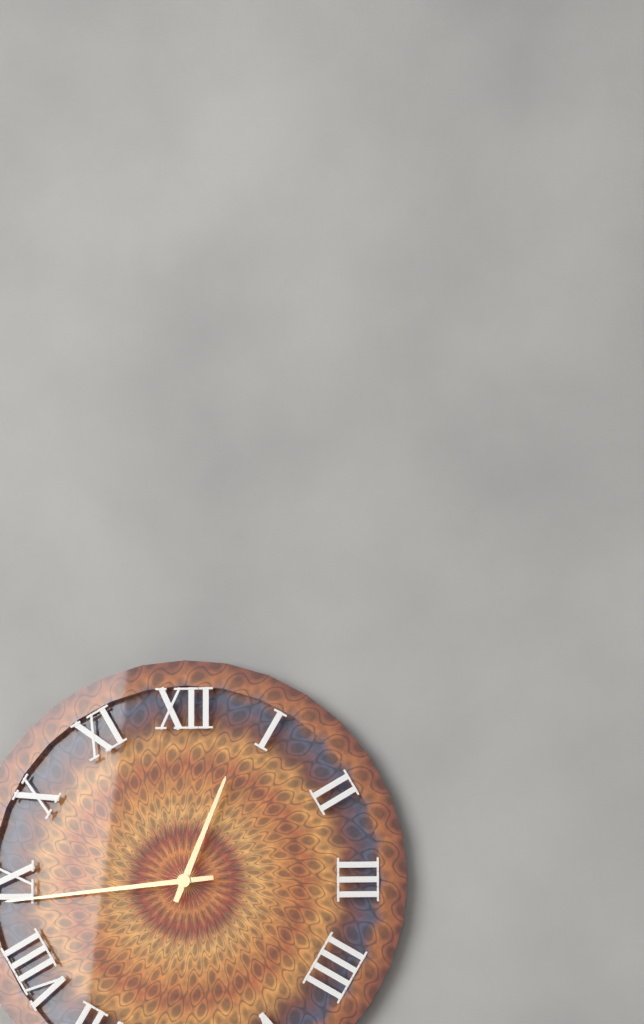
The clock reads 12,44
